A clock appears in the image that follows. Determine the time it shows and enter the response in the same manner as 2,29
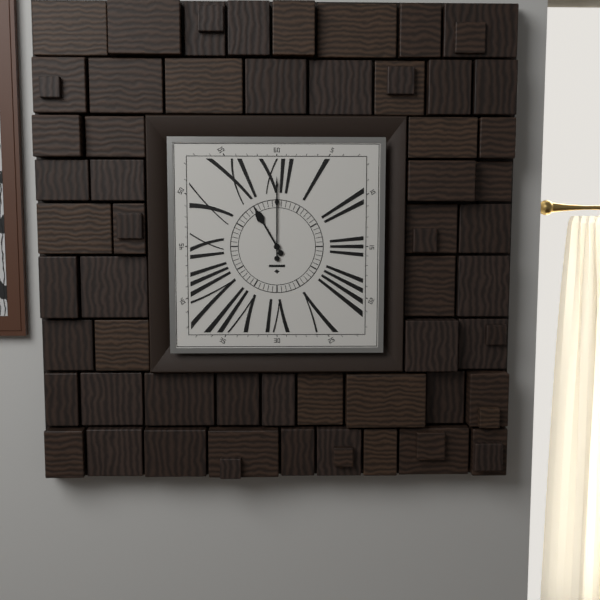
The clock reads 11,00
